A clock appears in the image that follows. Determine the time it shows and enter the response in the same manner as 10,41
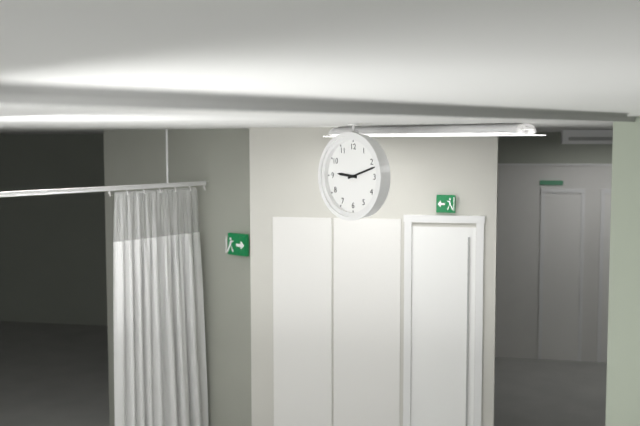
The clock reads 9,12
